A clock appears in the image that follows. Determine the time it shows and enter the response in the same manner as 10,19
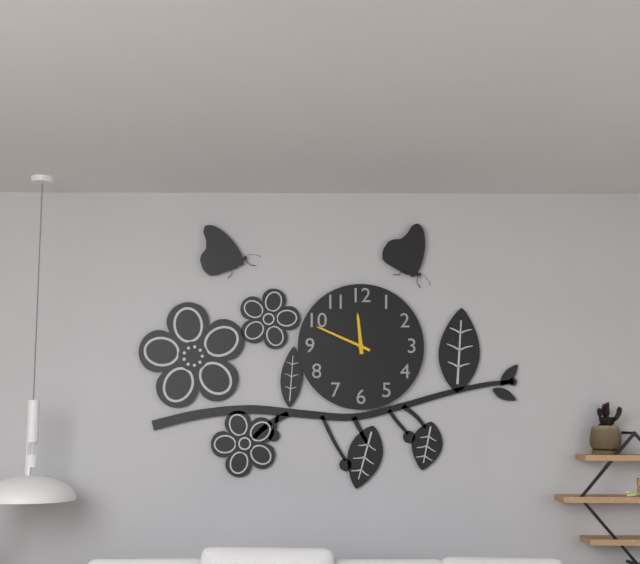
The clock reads 11,49
